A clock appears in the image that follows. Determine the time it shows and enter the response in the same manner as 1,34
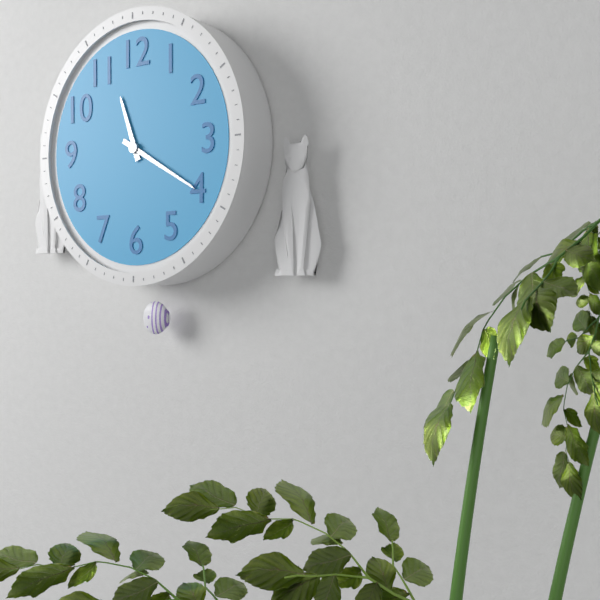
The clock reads 11,20
